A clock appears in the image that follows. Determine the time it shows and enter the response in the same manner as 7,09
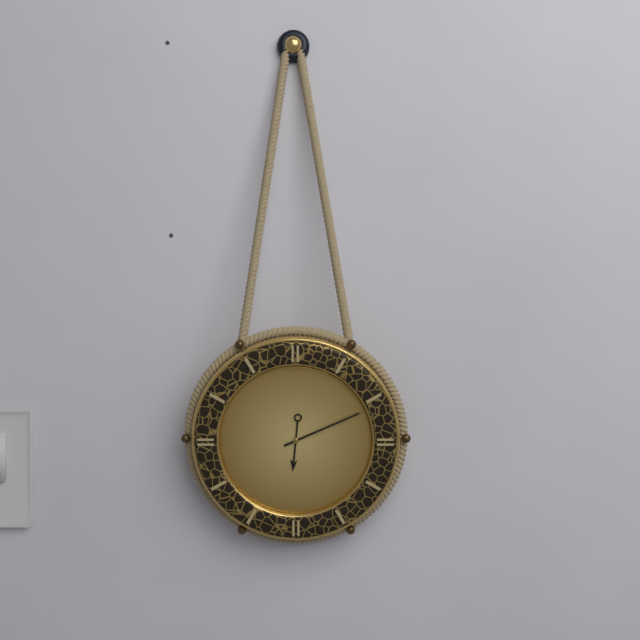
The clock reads 6,11
